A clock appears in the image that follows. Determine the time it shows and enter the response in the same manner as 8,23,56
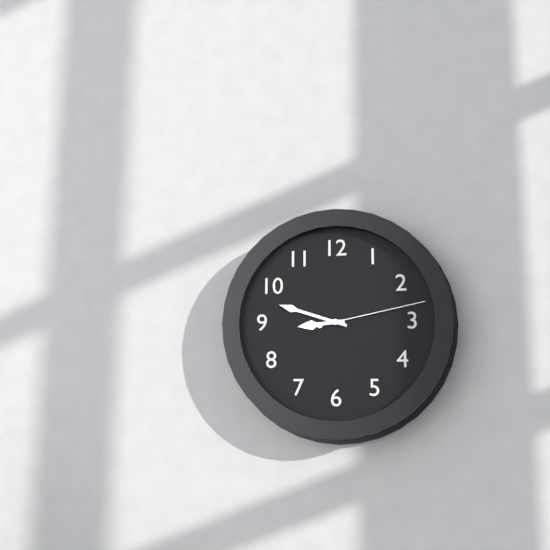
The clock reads 8,48,13
